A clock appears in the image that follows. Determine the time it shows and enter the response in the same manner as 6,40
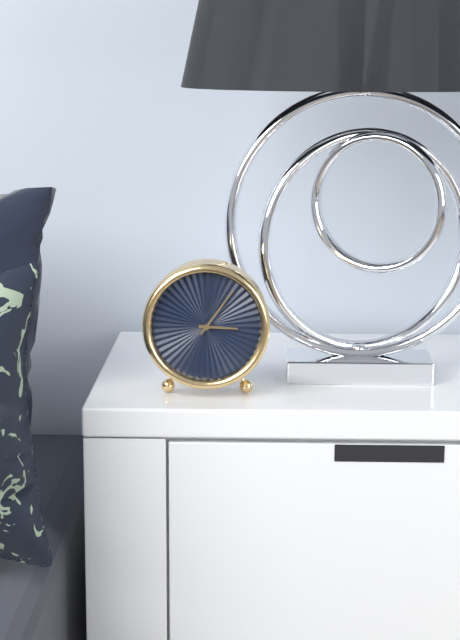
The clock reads 3,06
